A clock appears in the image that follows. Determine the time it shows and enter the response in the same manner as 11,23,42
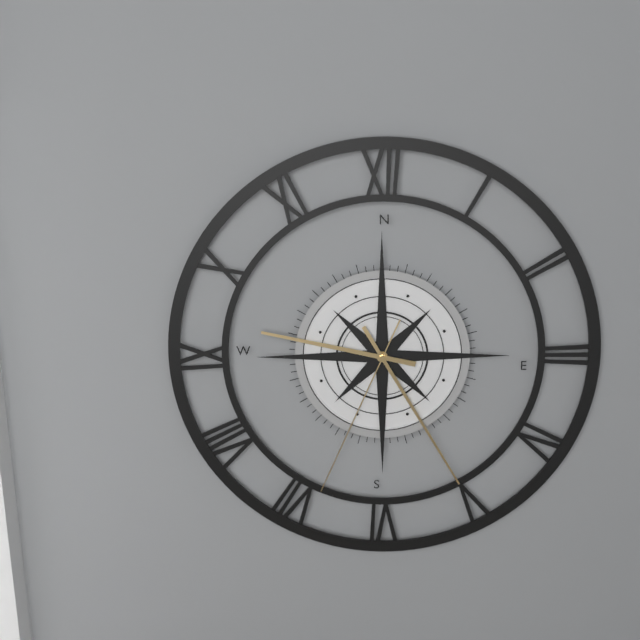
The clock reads 9,25,34
